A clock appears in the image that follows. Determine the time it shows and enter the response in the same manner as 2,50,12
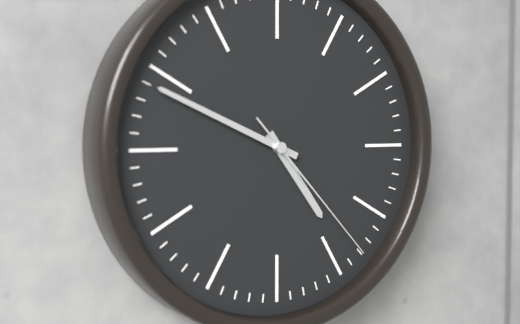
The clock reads 4,49,23
